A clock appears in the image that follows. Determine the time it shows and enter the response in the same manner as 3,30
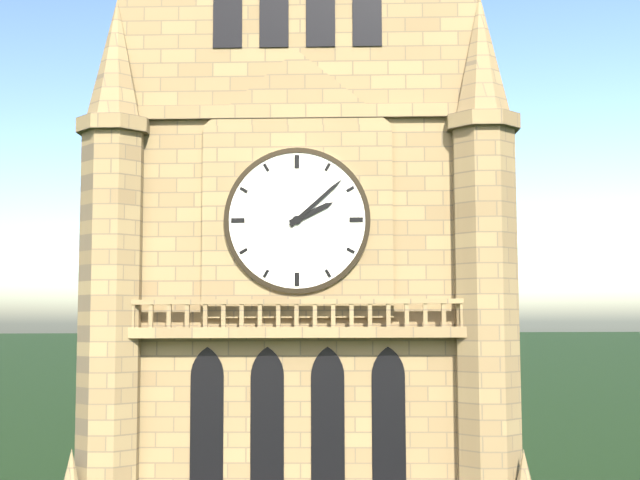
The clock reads 2,08
